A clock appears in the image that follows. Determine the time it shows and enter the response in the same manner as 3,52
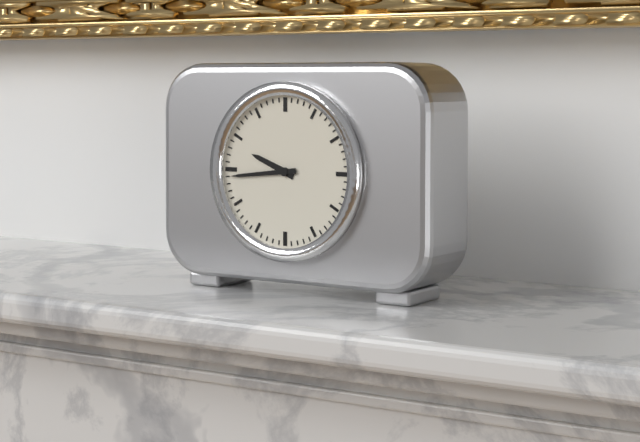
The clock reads 9,44
